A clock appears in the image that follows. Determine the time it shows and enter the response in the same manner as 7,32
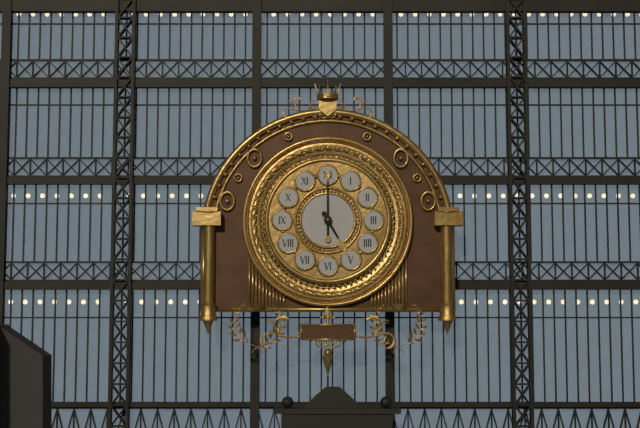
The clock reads 5,00
